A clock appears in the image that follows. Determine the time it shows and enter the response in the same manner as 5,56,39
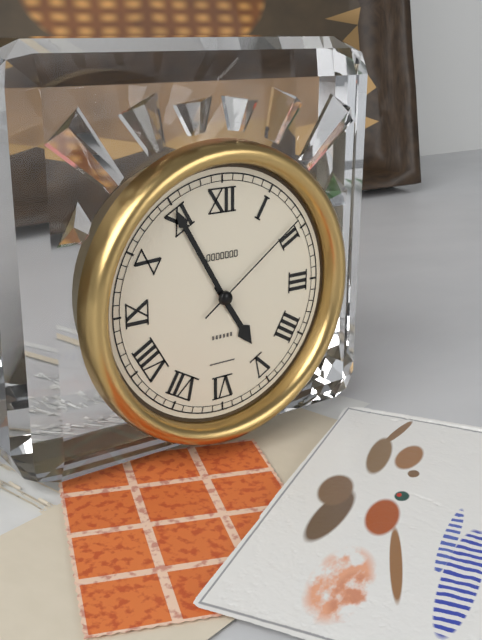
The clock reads 4,55,09
